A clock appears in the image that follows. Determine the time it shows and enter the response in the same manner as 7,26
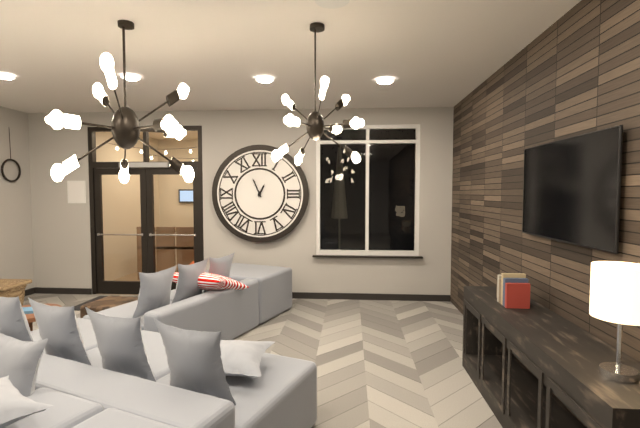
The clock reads 12,56
